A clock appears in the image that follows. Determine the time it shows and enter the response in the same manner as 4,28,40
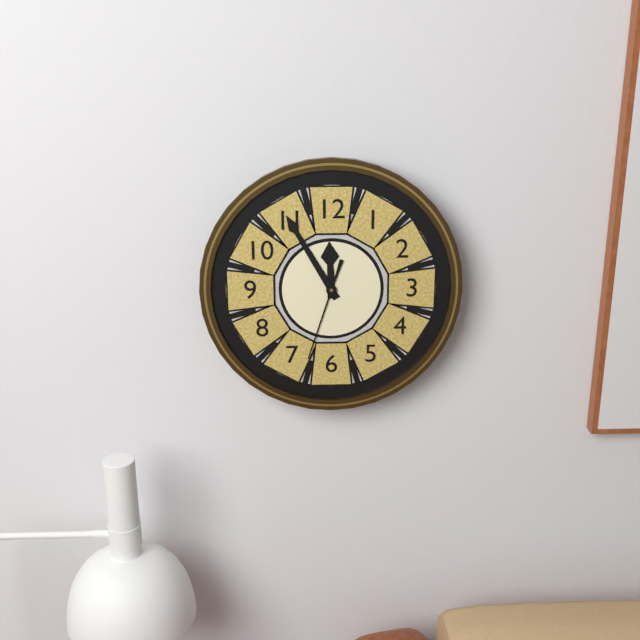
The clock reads 11,55,33
